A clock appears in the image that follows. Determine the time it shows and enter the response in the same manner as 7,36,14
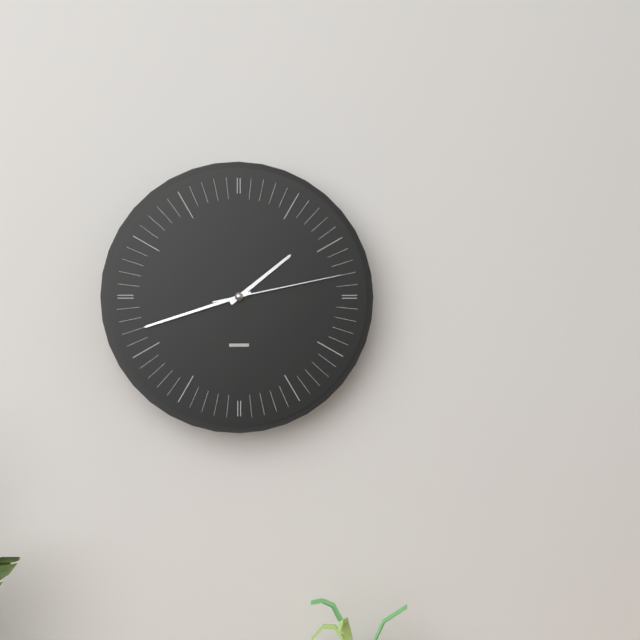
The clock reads 1,42,13
